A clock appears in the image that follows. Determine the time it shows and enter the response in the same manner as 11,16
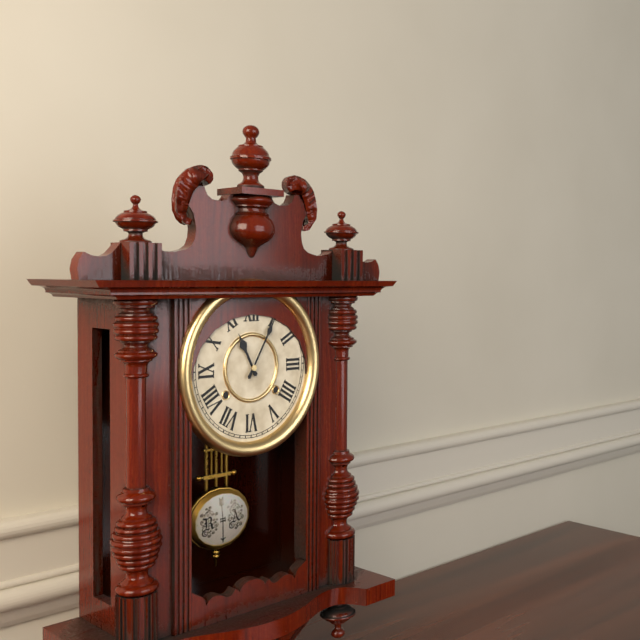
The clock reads 11,05
